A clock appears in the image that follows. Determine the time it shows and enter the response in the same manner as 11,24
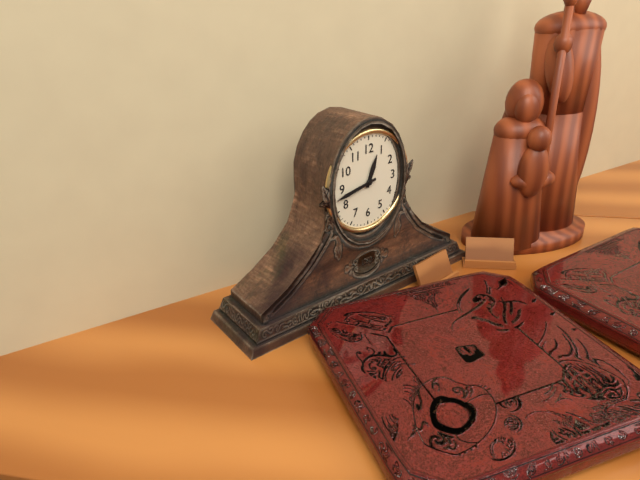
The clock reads 12,43
